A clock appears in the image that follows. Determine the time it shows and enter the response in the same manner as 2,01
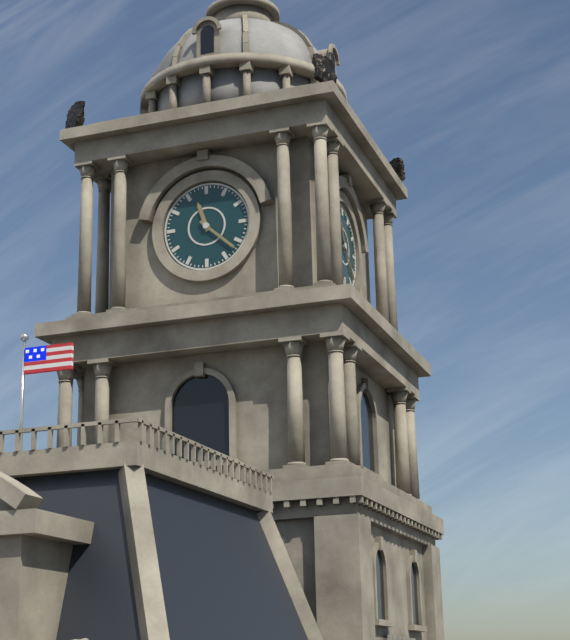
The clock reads 11,22
